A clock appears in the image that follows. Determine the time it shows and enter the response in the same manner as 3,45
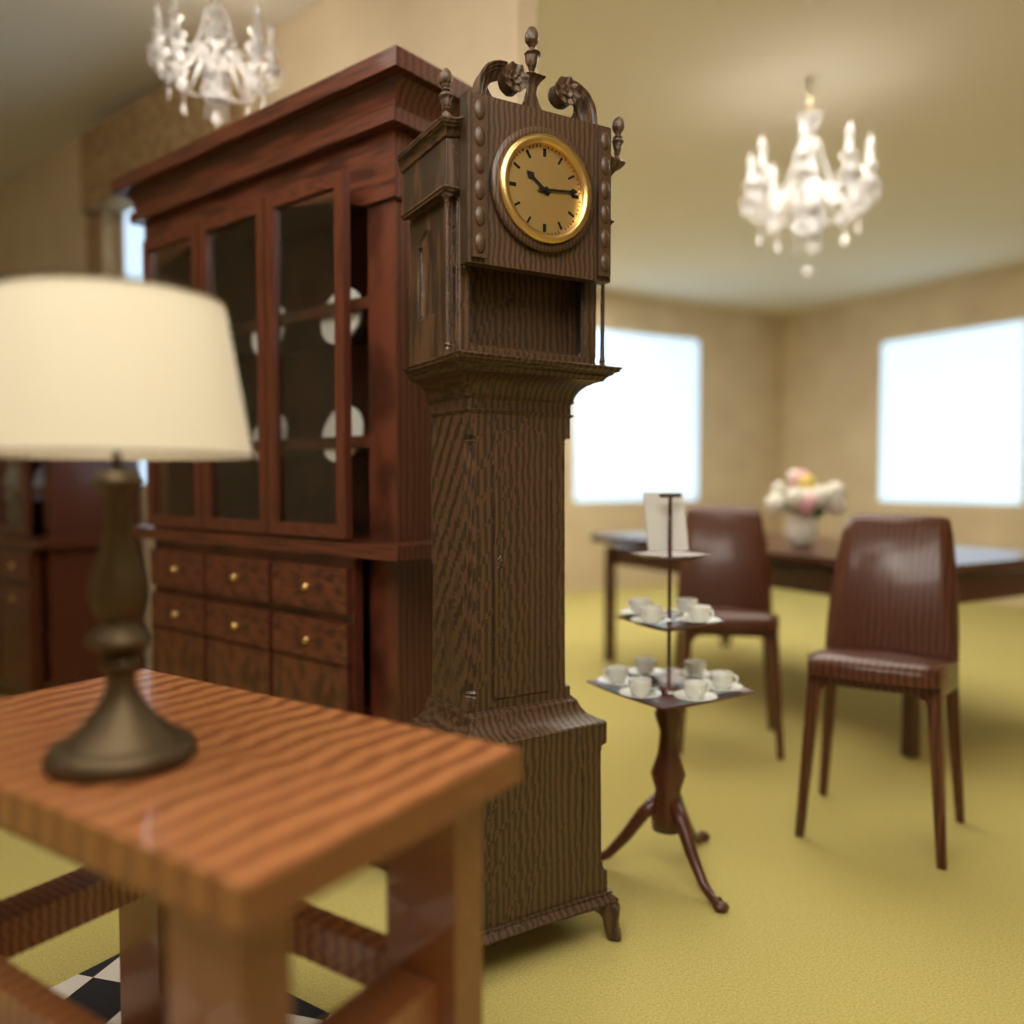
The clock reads 10,14
